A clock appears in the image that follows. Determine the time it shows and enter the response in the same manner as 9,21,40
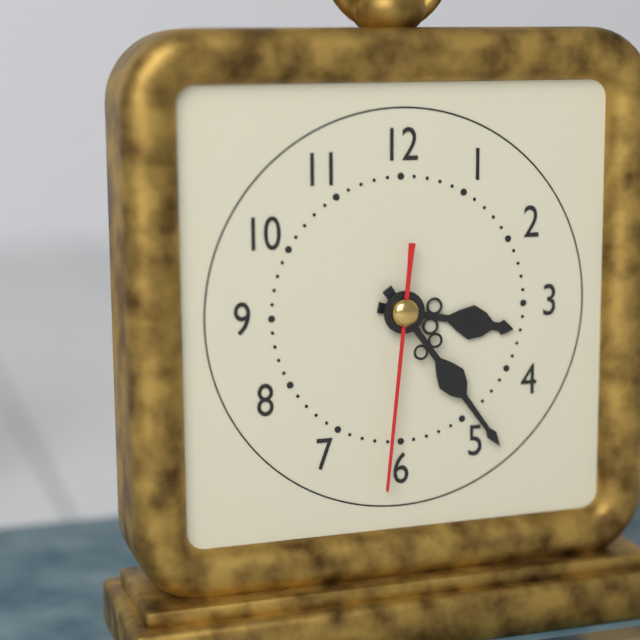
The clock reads 3,24,31
